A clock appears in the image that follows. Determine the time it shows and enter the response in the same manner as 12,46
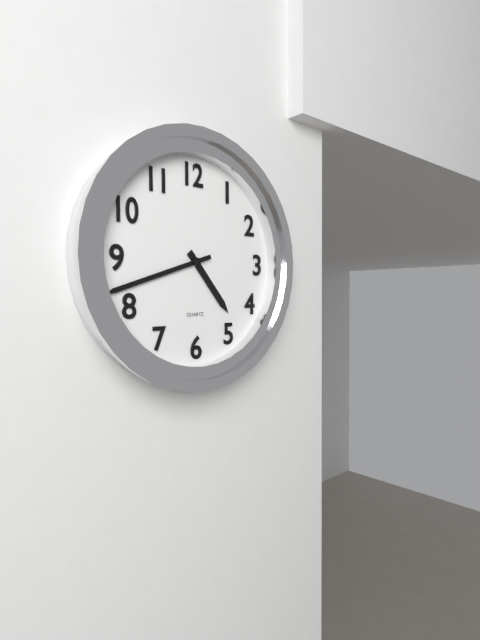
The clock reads 4,42
